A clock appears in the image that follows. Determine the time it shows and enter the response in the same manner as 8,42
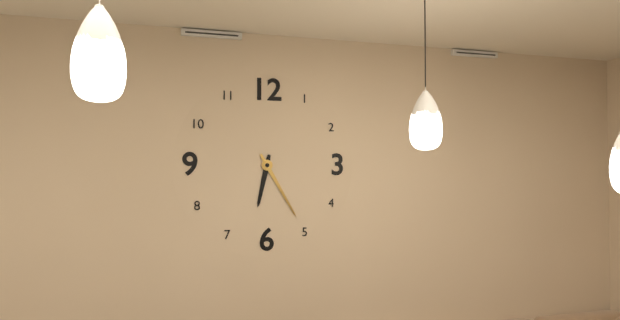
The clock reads 6,25
